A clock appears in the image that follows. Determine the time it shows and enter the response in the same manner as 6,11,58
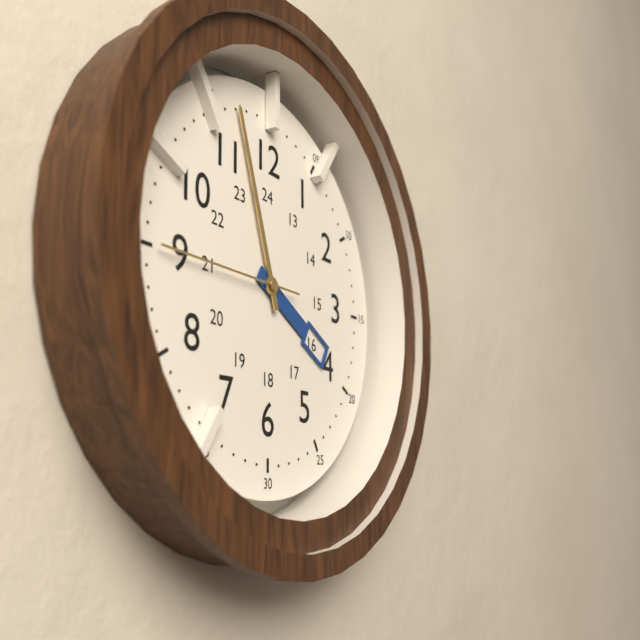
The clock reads 3,57,45
